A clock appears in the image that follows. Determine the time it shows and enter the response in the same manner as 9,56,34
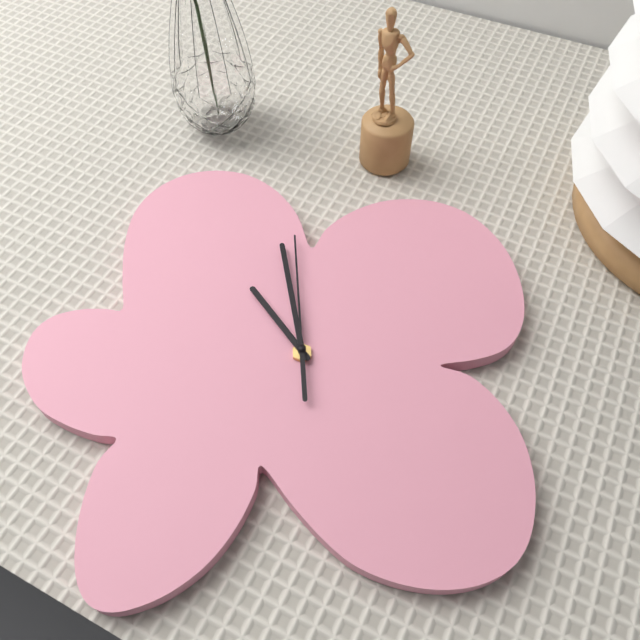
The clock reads 10,59,00
